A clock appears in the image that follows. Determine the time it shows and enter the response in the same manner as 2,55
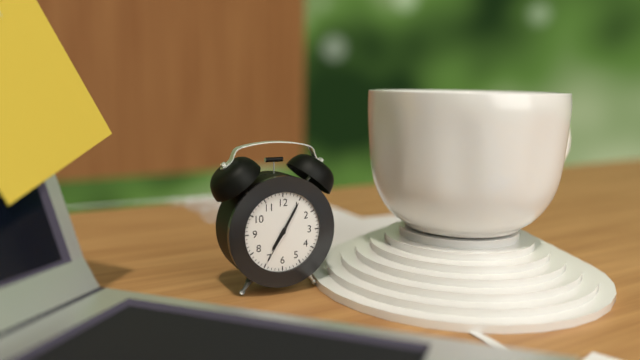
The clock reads 7,05
